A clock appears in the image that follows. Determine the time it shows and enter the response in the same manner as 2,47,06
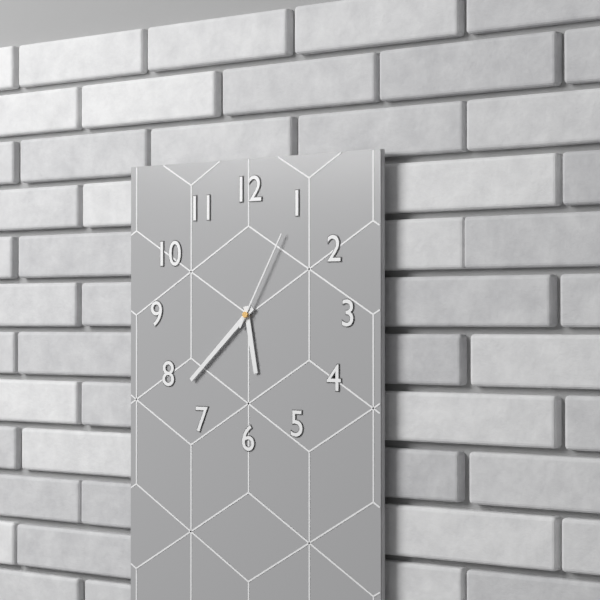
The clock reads 5,38,05
